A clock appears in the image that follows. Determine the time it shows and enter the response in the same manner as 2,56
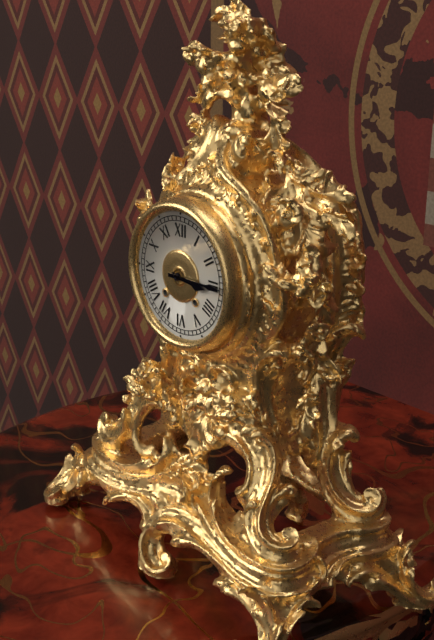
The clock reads 3,15
